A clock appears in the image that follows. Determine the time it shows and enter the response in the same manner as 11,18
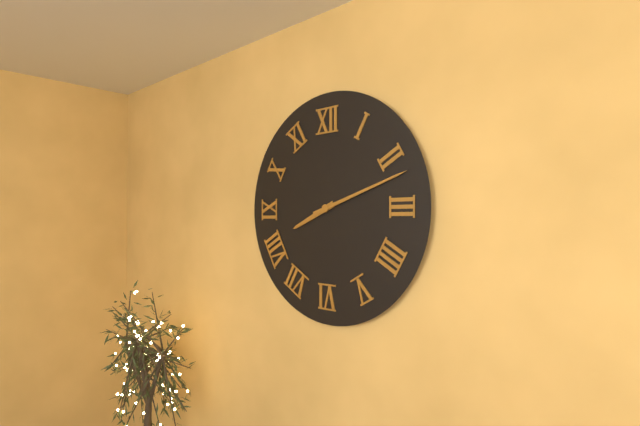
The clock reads 8,12
